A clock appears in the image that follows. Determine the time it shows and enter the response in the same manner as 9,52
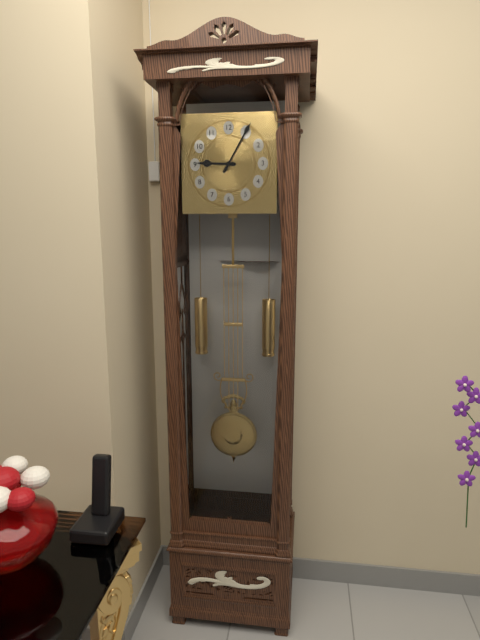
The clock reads 9,05
